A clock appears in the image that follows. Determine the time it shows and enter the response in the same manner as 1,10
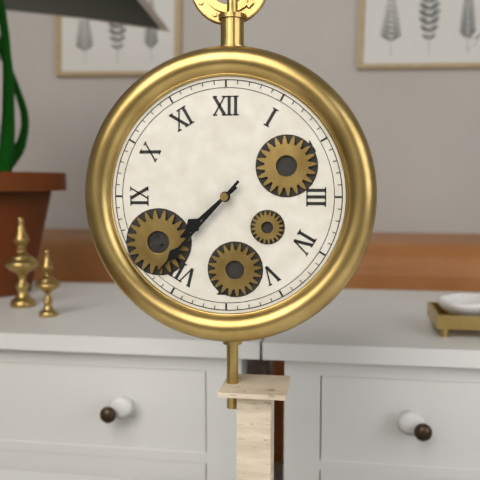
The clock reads 7,37
